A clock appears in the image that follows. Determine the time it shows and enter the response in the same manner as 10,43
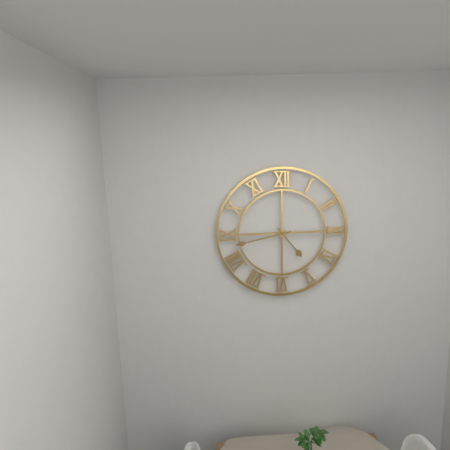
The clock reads 4,43
